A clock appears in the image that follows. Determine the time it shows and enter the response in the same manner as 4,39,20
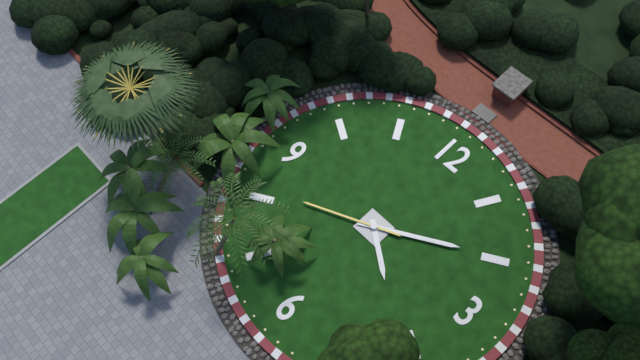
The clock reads 4,10,41
